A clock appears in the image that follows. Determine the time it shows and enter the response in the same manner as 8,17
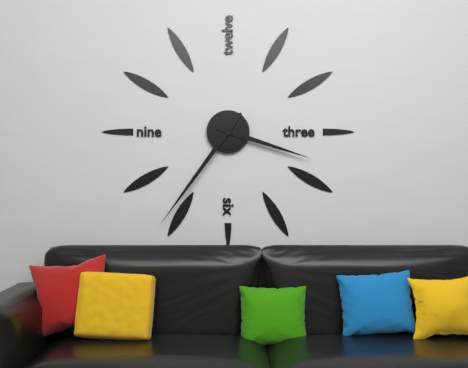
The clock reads 3,36
